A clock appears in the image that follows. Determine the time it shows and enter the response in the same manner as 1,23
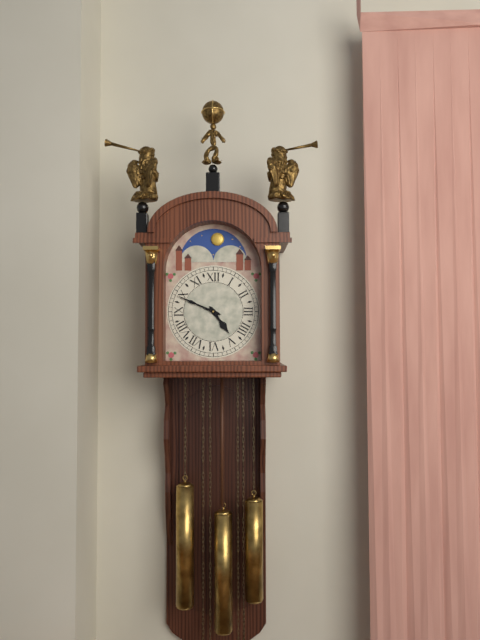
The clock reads 4,49
